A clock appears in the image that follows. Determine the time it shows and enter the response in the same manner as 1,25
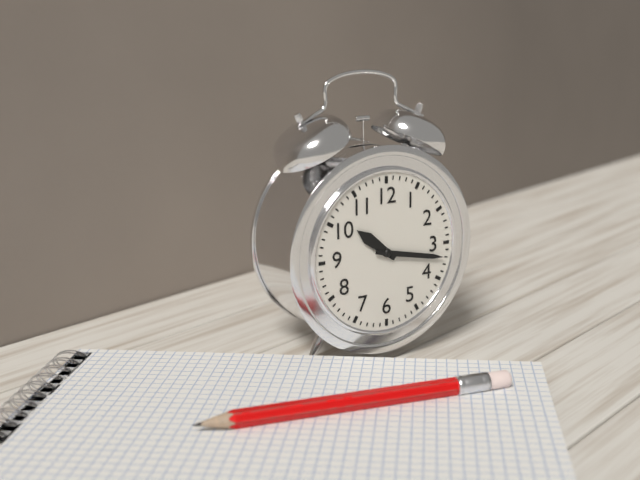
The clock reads 10,17
